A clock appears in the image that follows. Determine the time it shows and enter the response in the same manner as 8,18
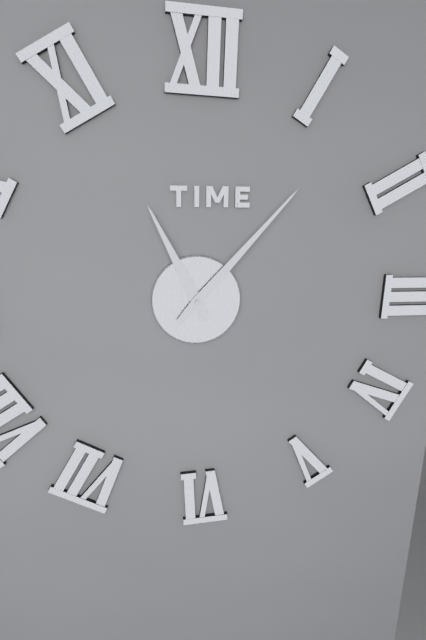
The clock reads 11,07
